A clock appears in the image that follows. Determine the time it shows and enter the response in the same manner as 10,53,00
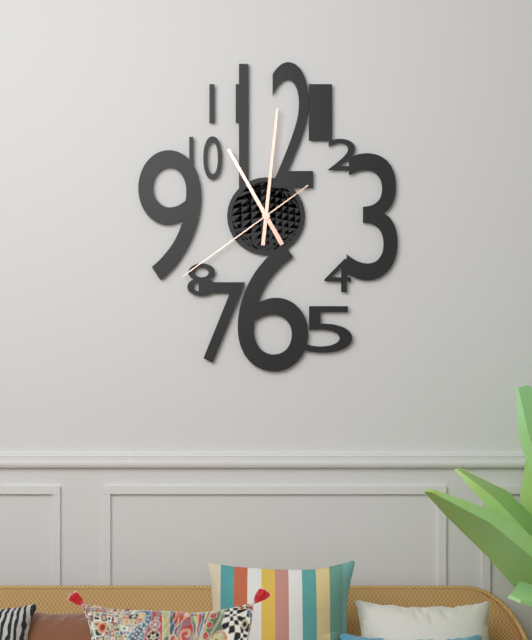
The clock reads 11,01,39
